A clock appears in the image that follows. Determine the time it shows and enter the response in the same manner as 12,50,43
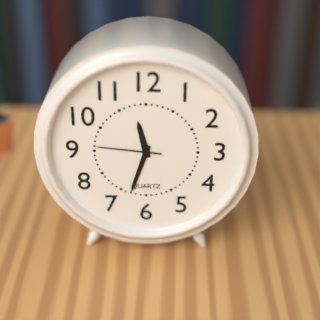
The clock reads 11,33,46
